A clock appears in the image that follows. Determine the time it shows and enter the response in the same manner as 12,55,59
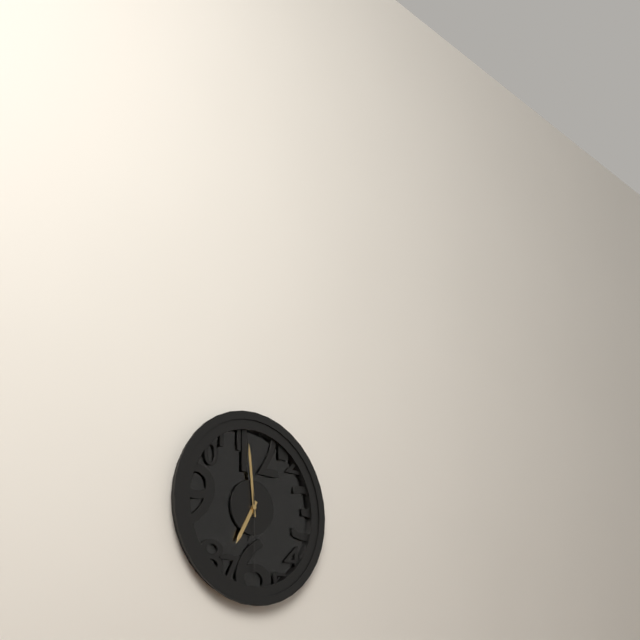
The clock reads 6,59,30
